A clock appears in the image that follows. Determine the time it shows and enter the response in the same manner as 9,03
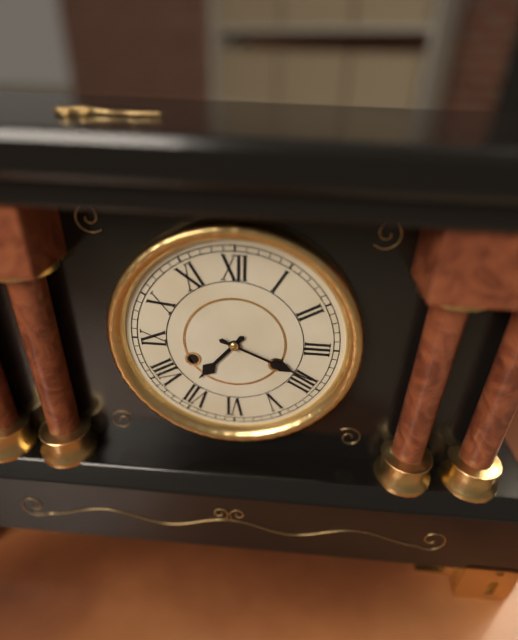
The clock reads 7,19
